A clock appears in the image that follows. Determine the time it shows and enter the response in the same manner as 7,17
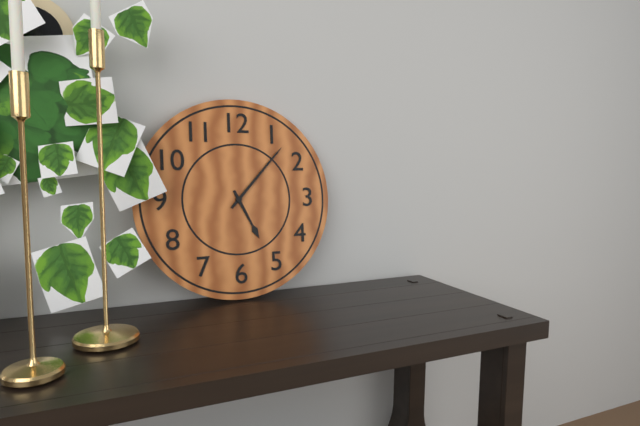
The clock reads 5,07
